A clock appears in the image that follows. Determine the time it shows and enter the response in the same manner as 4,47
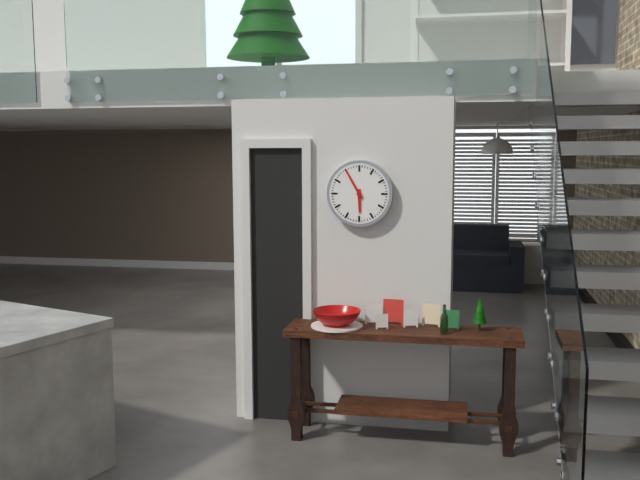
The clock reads 5,55
